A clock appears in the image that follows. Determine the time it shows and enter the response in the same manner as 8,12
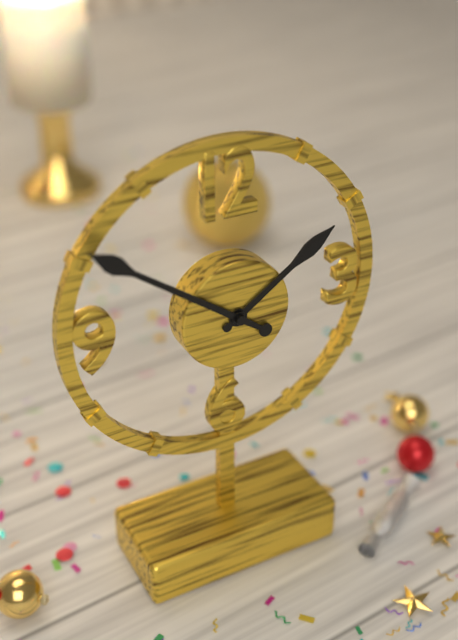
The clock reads 1,51
